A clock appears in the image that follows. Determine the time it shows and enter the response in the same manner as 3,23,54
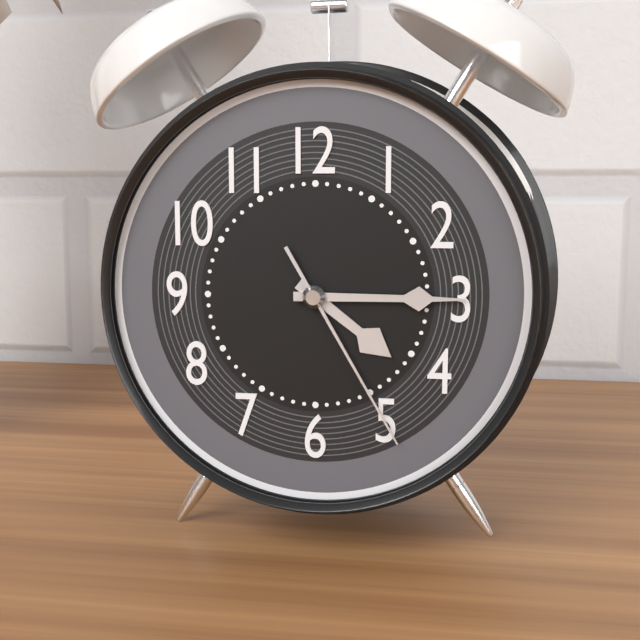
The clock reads 4,15,25
